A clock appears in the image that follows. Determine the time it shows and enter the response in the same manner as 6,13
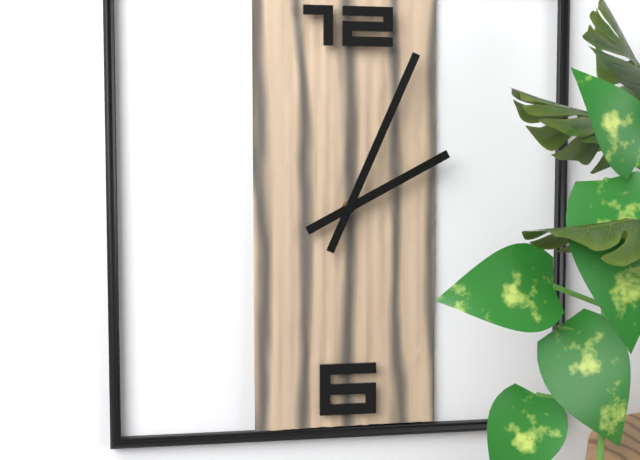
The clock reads 2,04
